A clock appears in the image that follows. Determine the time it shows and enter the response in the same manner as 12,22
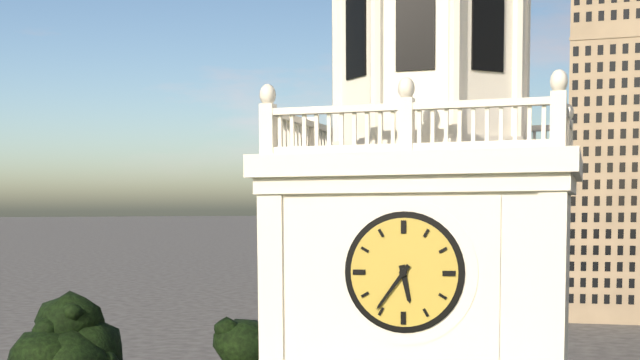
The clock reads 5,36
